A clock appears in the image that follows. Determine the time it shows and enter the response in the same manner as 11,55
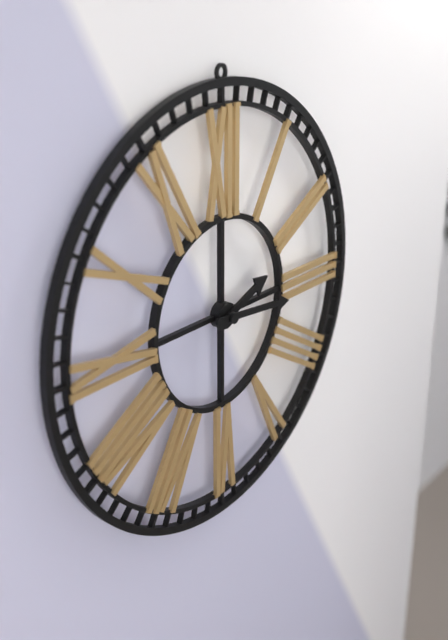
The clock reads 2,16
